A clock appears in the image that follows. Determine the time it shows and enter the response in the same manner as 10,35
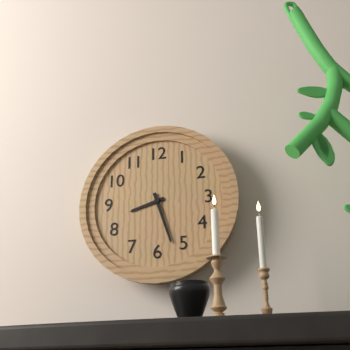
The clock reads 8,27
